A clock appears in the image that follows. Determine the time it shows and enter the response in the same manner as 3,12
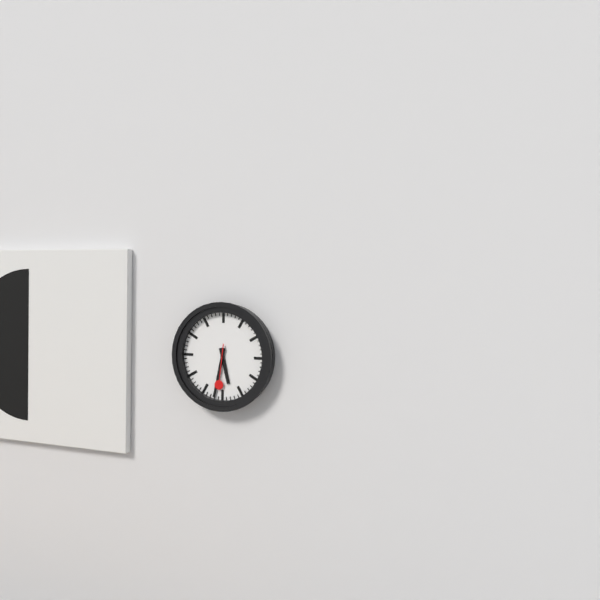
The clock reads 5,32
